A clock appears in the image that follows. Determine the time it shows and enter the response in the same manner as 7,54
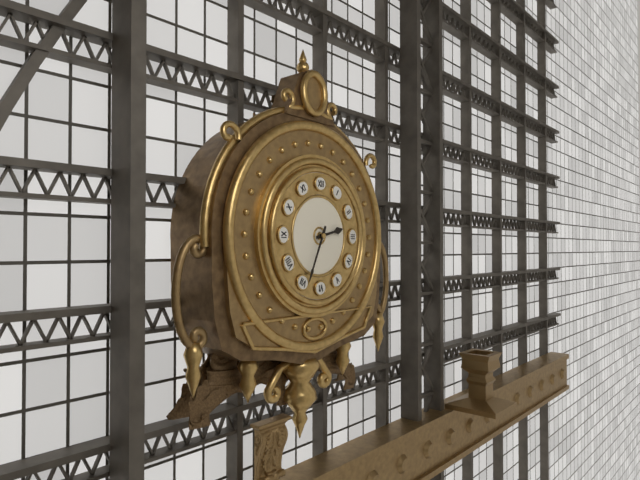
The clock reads 2,34
